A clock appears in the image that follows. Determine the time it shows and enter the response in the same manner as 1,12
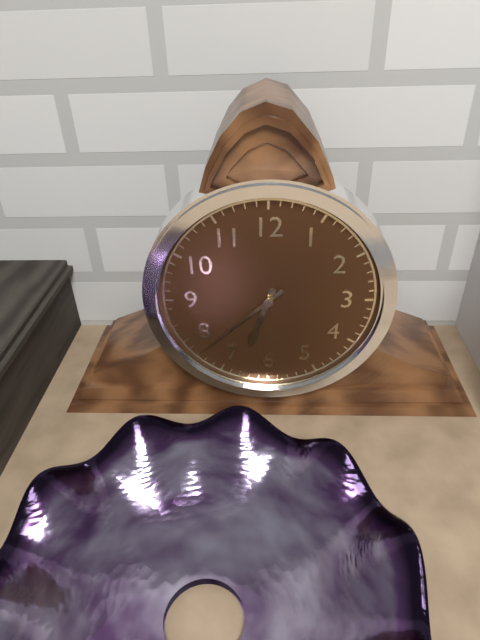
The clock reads 6,38
